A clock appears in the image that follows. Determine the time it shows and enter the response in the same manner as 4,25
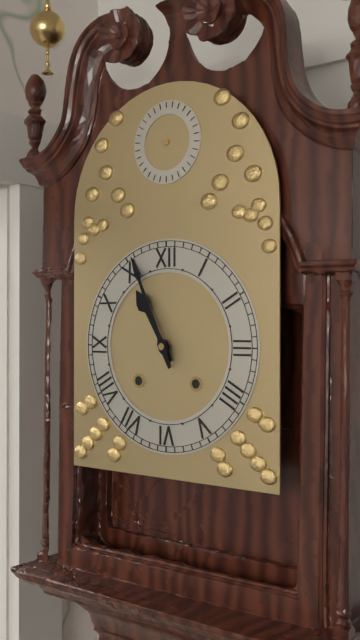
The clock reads 10,56
